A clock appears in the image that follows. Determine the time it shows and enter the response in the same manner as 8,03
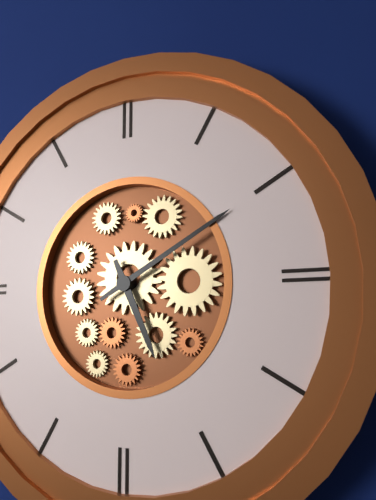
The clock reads 5,10
